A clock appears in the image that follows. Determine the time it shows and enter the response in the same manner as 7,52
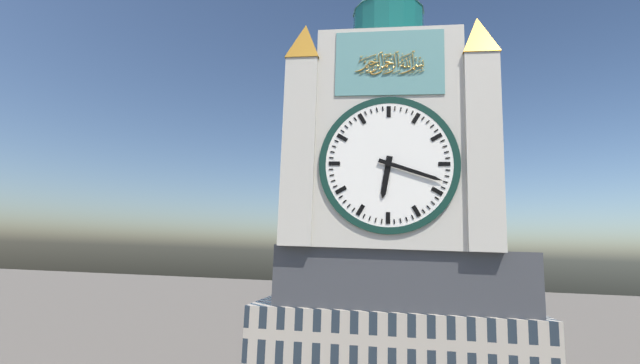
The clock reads 6,18
